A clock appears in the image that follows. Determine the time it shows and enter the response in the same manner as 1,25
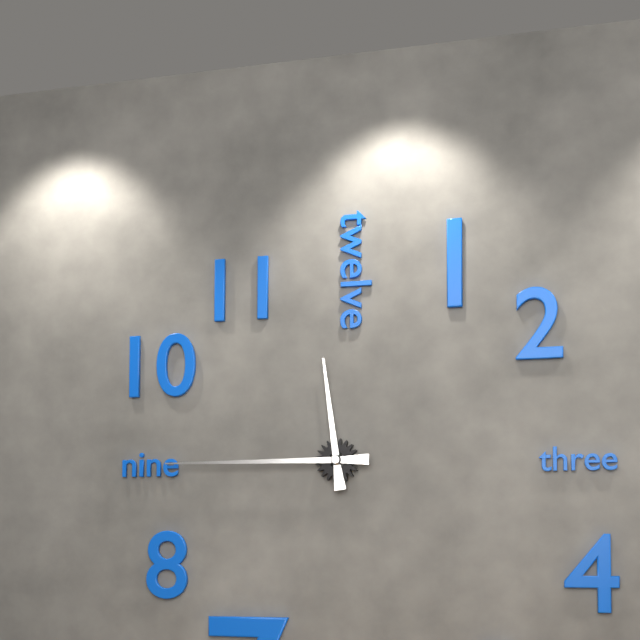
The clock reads 11,45
